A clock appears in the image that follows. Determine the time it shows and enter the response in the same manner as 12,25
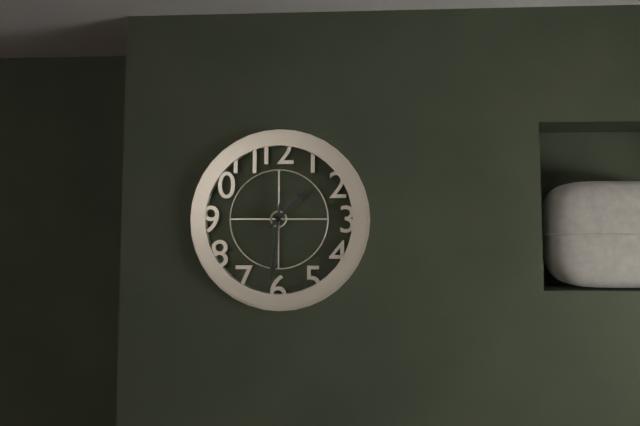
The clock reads 1,31
